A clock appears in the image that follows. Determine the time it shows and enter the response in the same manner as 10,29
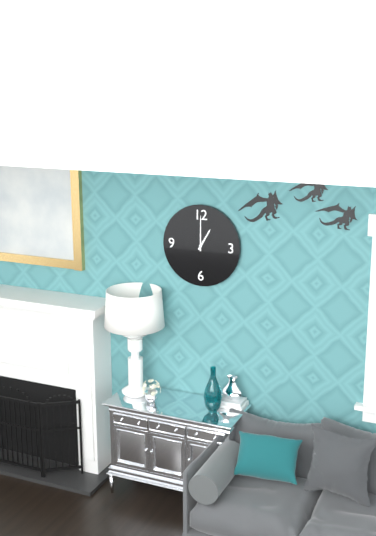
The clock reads 1,00
